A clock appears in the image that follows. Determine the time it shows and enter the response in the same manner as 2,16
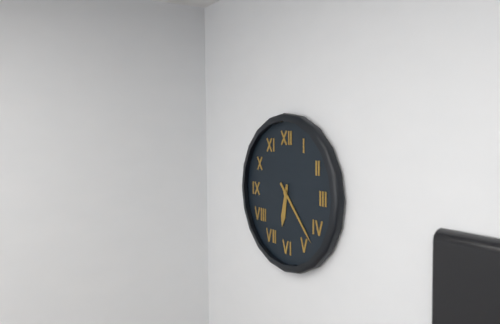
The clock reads 6,23
